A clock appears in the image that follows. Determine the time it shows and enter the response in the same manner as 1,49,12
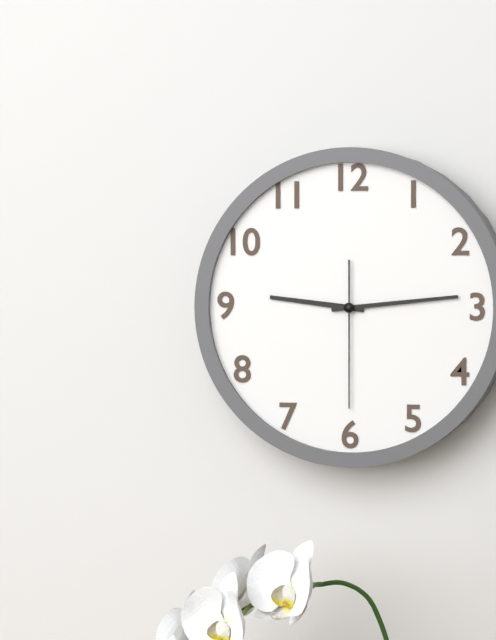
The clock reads 9,14,30
